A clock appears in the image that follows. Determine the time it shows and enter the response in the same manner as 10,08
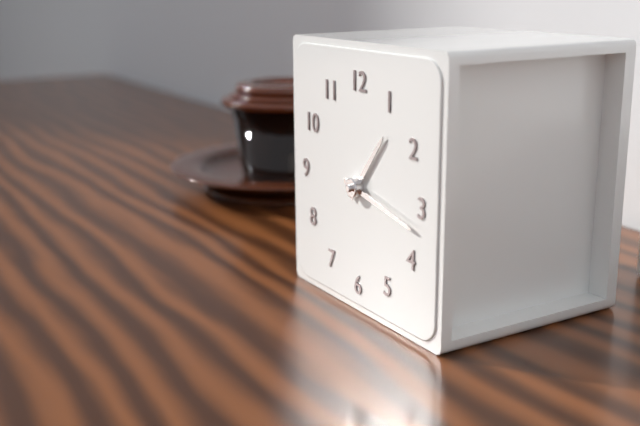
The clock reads 1,17
